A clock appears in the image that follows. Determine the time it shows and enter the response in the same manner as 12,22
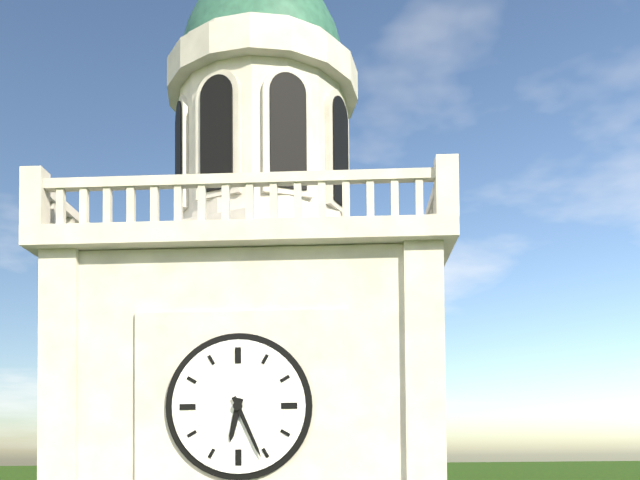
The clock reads 6,26
